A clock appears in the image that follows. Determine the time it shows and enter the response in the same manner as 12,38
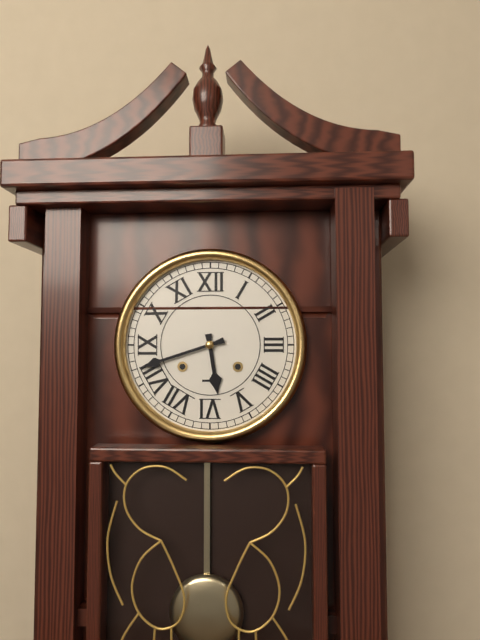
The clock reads 5,42
